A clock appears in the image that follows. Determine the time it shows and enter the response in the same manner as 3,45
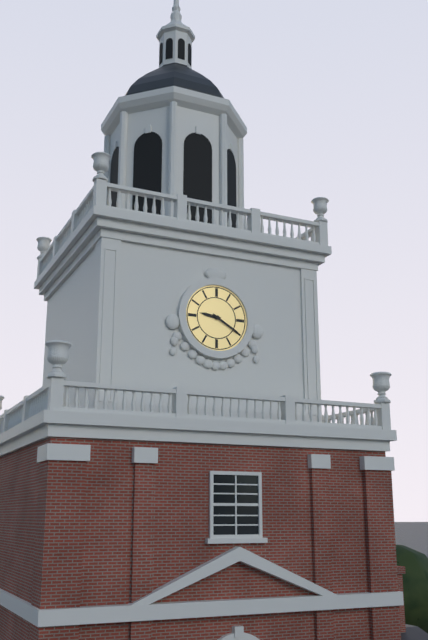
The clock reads 9,20
